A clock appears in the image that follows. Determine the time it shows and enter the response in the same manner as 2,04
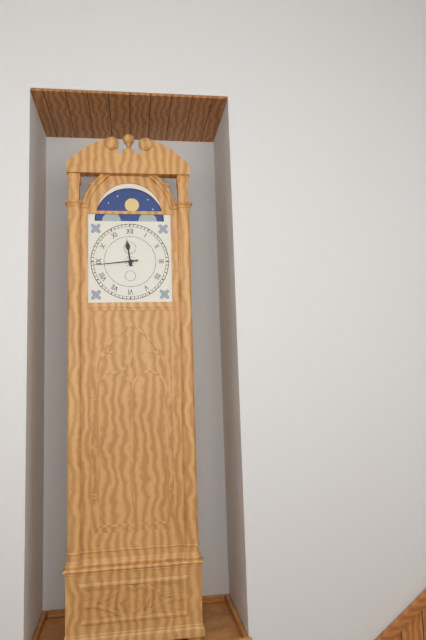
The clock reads 11,44
